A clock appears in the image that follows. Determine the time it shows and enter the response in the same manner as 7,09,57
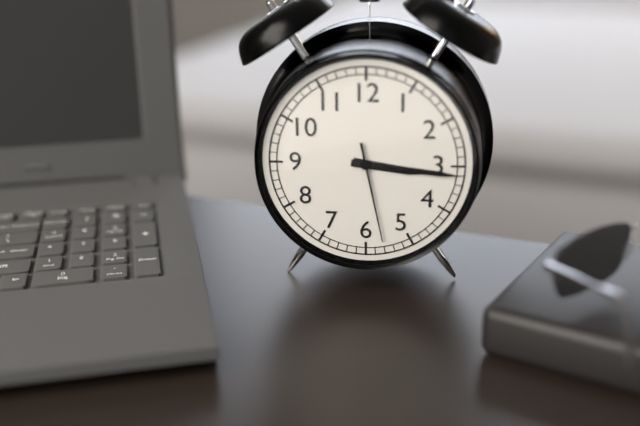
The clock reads 3,16,28
